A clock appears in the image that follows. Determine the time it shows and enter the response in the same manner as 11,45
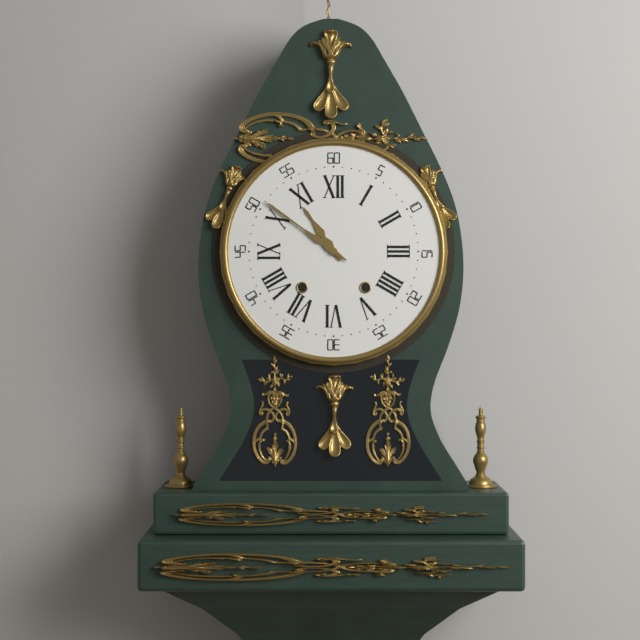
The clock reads 10,51
